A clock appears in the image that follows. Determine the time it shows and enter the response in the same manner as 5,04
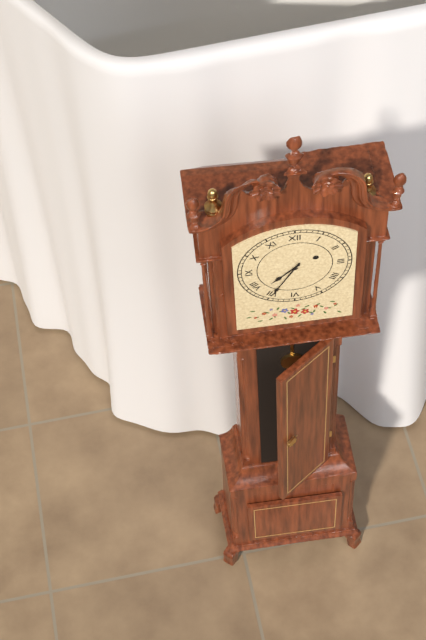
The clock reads 7,35
